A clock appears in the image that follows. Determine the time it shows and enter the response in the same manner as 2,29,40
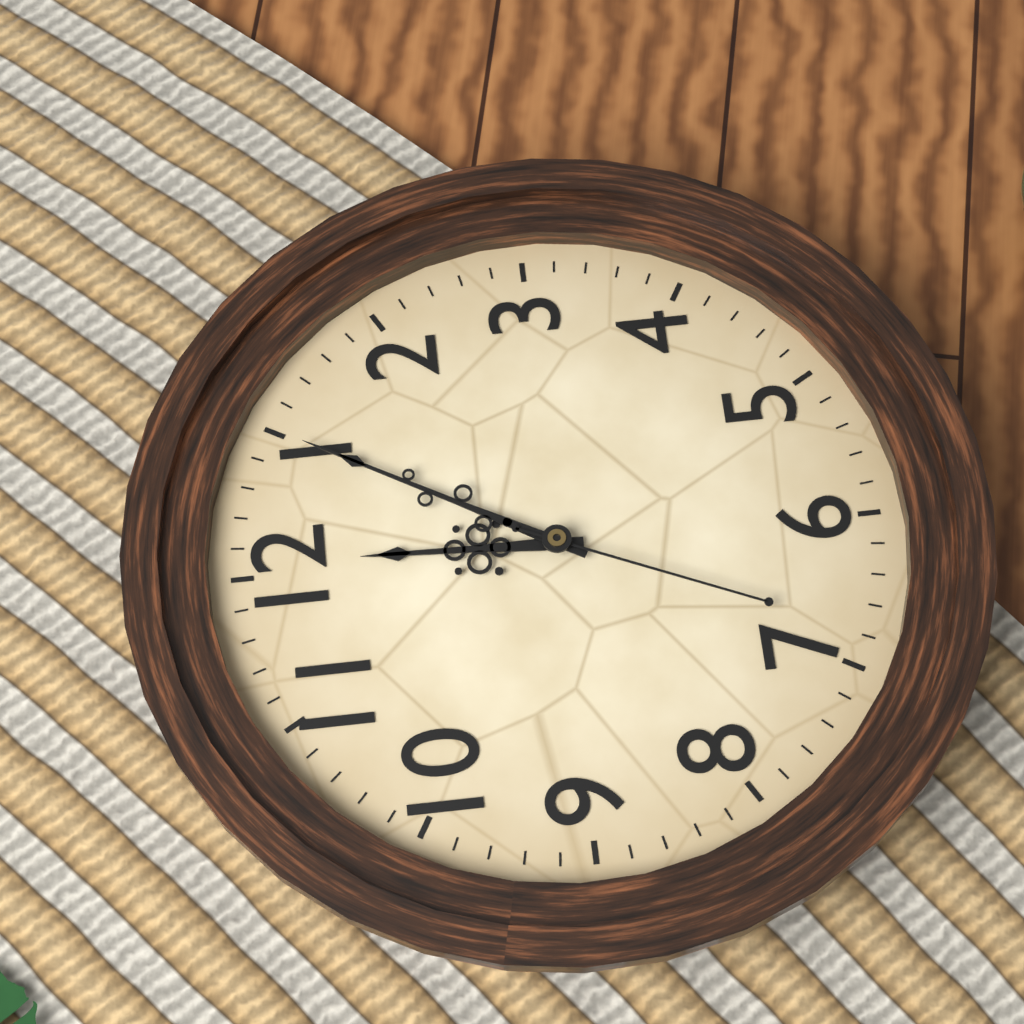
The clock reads 12,05,34
